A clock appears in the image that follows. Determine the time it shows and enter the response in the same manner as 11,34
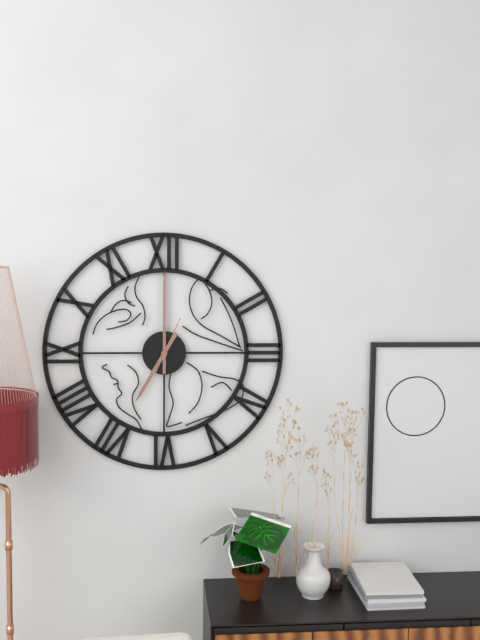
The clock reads 7,00
